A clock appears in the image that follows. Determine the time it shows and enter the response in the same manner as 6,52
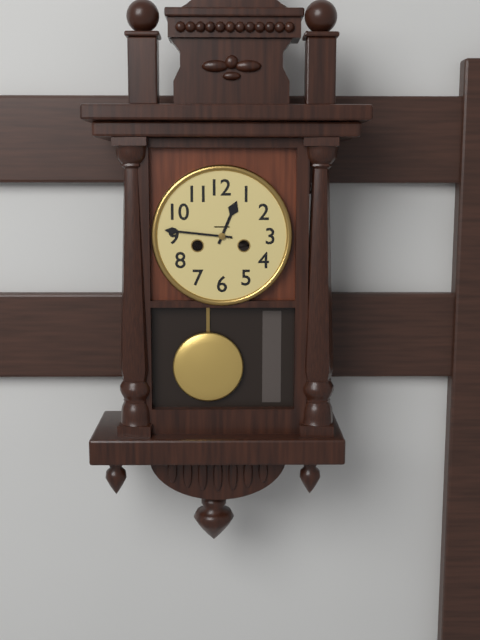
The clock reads 12,46
